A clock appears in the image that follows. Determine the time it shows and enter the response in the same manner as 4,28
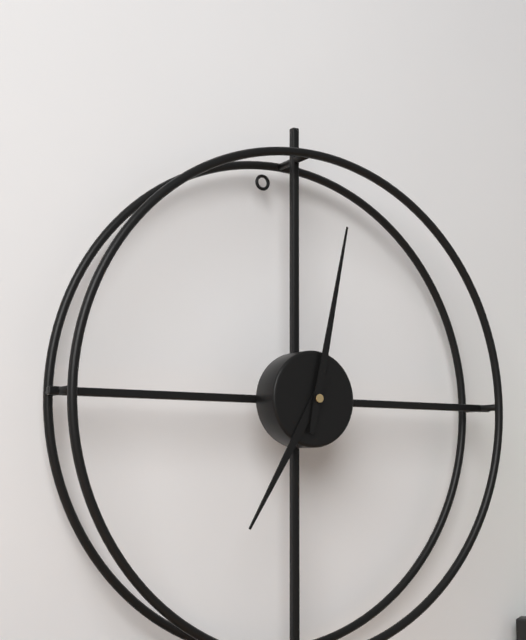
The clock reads 7,02
